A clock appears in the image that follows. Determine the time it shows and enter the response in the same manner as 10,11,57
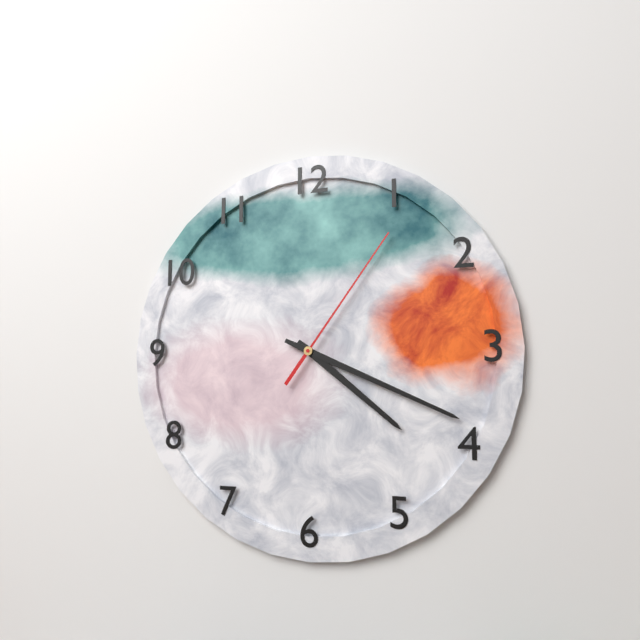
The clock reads 4,19,06
